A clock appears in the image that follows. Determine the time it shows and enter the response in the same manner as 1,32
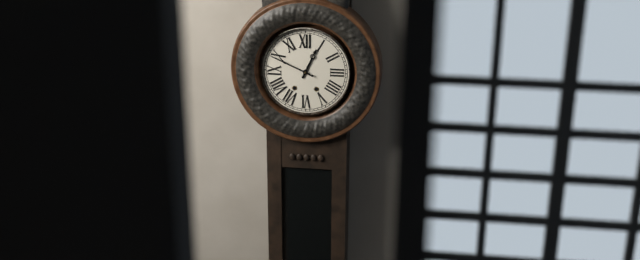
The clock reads 12,49
